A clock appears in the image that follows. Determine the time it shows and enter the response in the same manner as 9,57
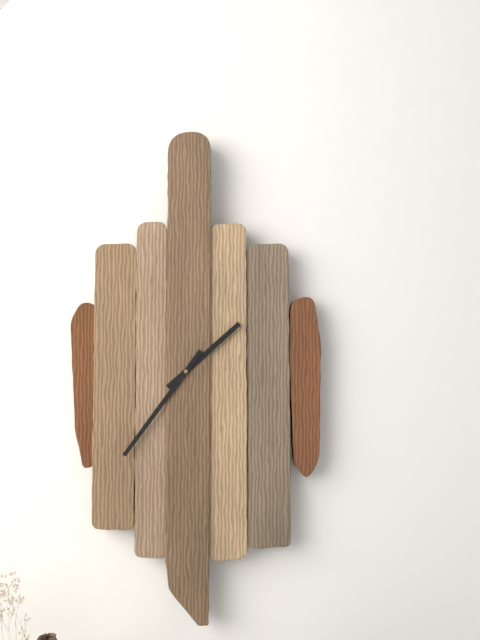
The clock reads 1,36
